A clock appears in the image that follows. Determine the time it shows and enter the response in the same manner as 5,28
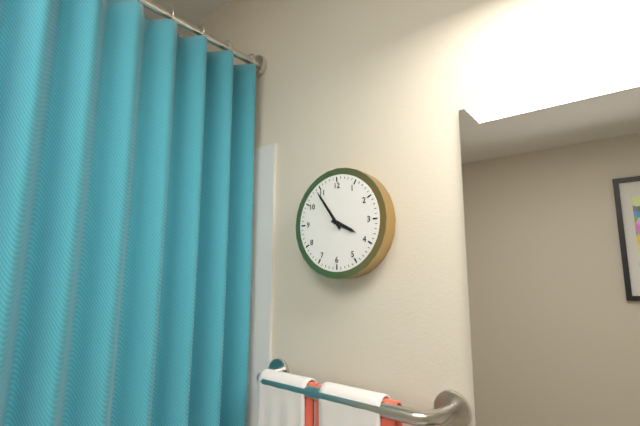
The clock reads 3,54
